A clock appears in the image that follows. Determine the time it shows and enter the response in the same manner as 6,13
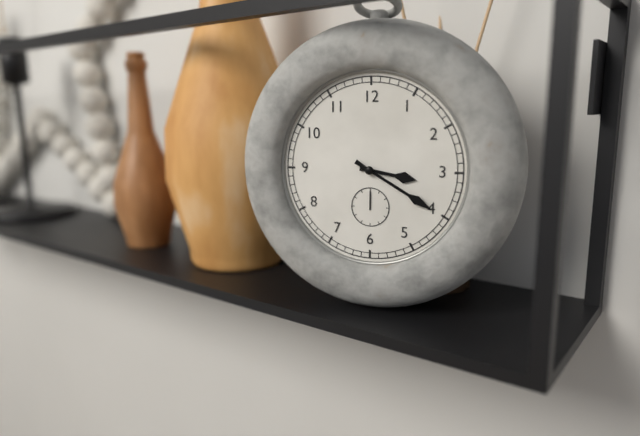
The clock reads 3,20
